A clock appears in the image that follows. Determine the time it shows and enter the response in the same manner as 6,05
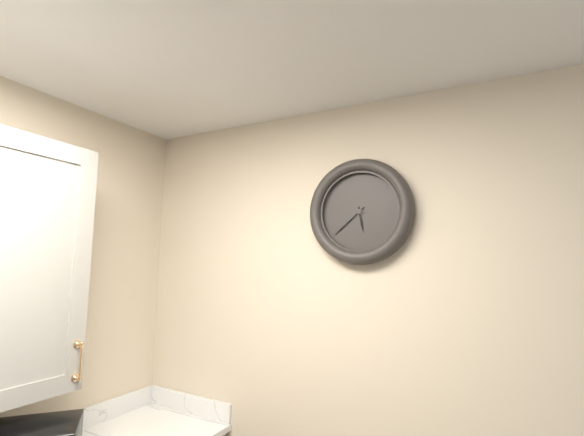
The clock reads 5,38
